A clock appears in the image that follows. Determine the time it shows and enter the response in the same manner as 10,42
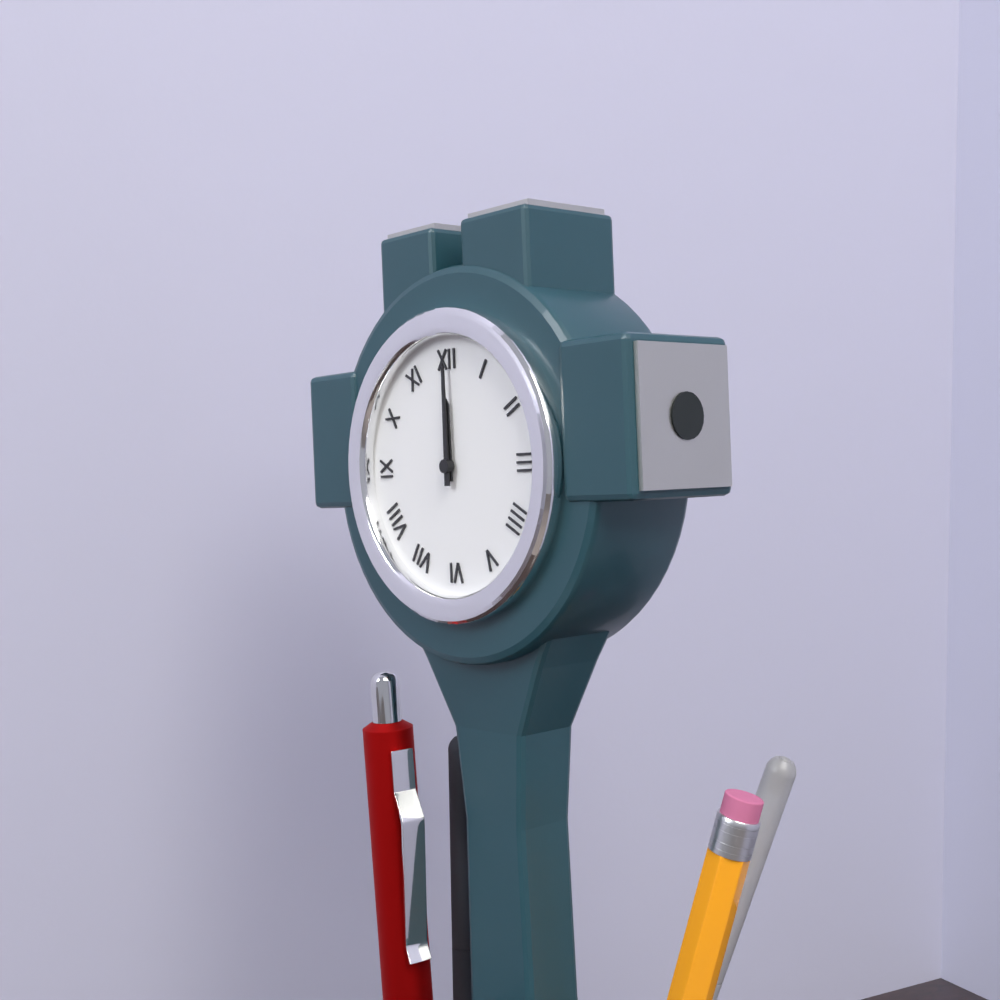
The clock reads 12,00
